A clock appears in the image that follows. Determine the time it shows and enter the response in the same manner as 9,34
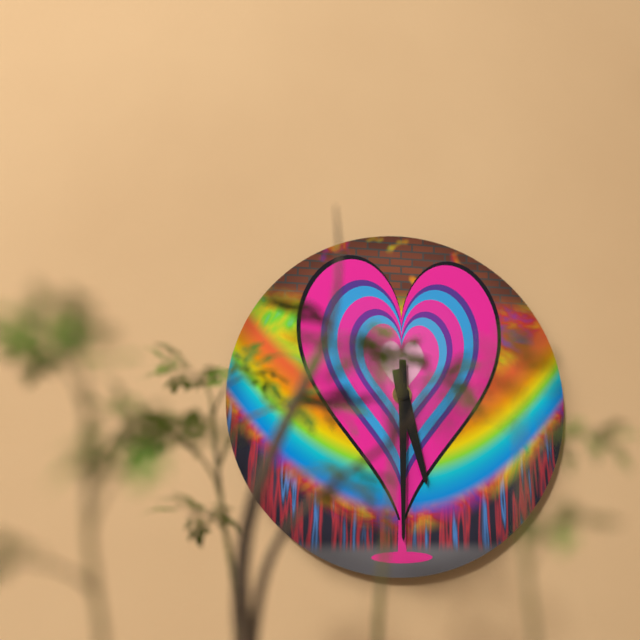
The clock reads 5,30
